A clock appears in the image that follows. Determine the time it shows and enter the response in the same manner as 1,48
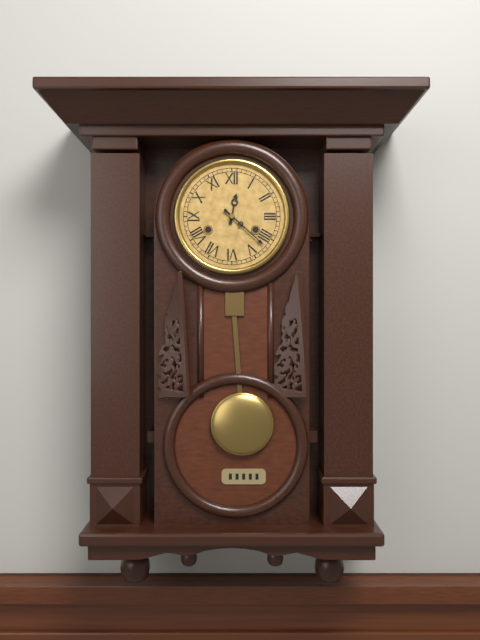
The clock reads 12,22
